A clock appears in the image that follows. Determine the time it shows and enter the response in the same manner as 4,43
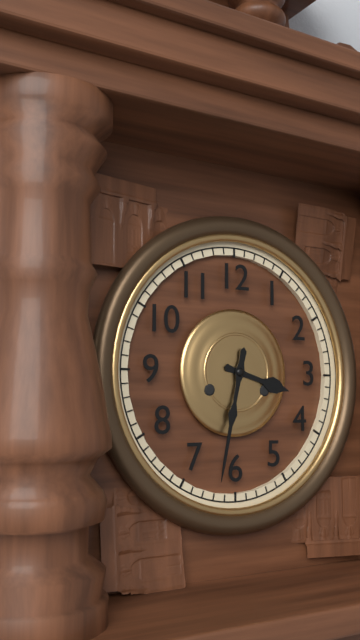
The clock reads 3,32
